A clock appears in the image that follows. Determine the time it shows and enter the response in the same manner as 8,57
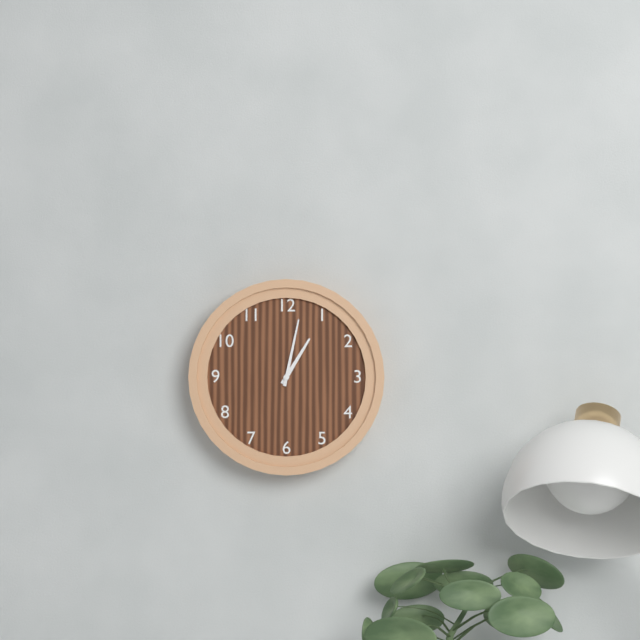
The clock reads 1,02
